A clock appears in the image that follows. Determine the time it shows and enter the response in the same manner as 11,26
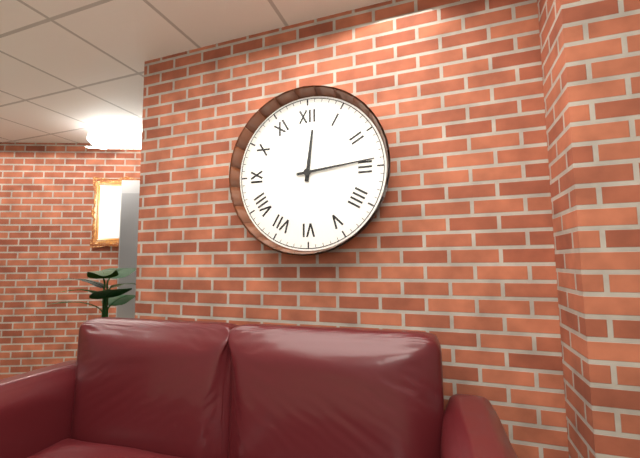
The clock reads 12,14
